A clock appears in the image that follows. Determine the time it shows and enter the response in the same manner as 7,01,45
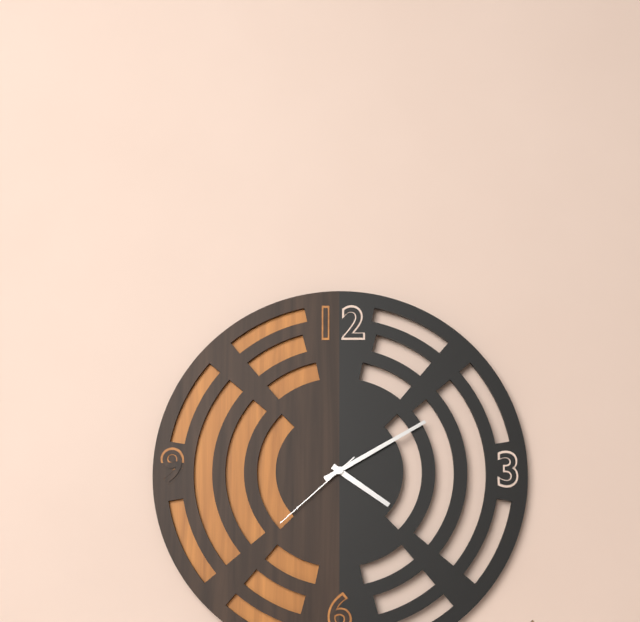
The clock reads 4,10,38
